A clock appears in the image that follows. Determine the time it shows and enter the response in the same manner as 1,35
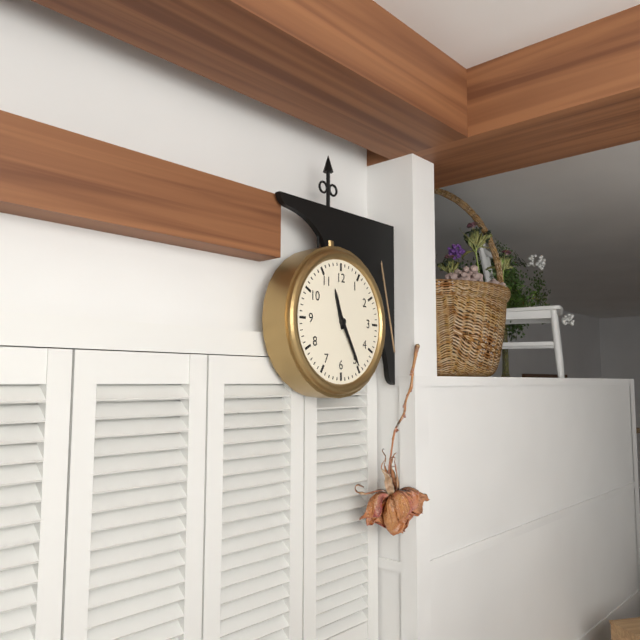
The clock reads 11,25
